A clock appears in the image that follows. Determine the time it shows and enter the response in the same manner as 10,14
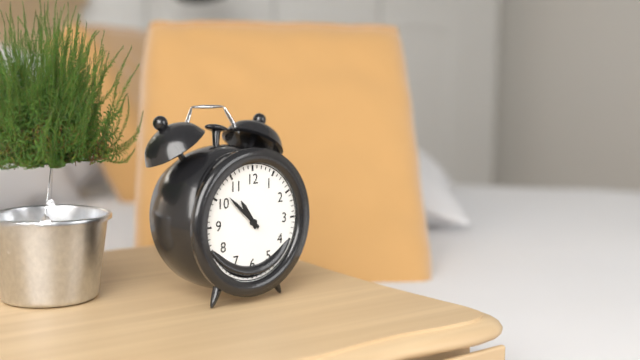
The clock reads 10,52
